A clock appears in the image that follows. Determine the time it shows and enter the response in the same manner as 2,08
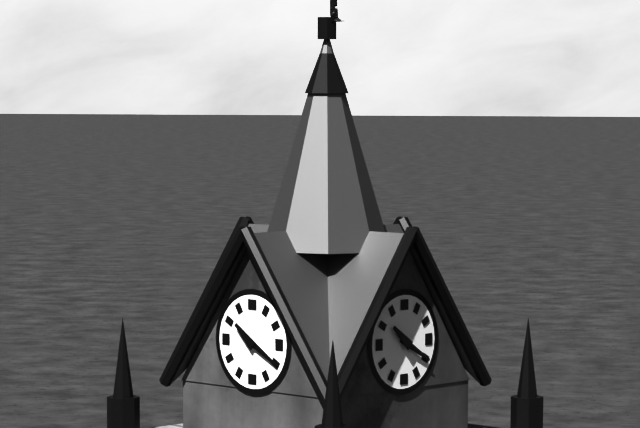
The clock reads 10,20
